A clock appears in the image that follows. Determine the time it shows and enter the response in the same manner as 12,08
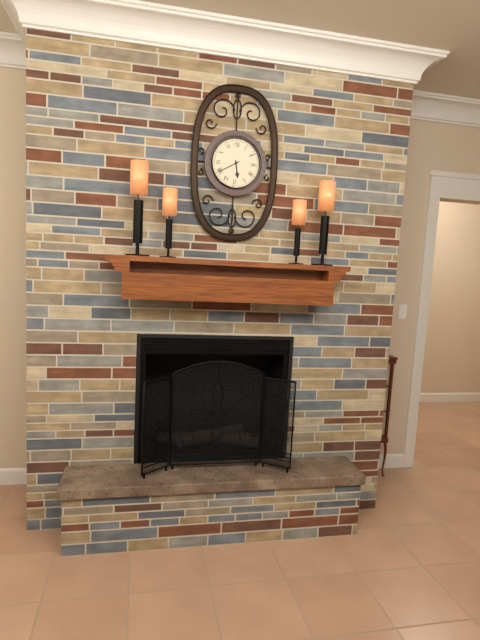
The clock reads 5,40
